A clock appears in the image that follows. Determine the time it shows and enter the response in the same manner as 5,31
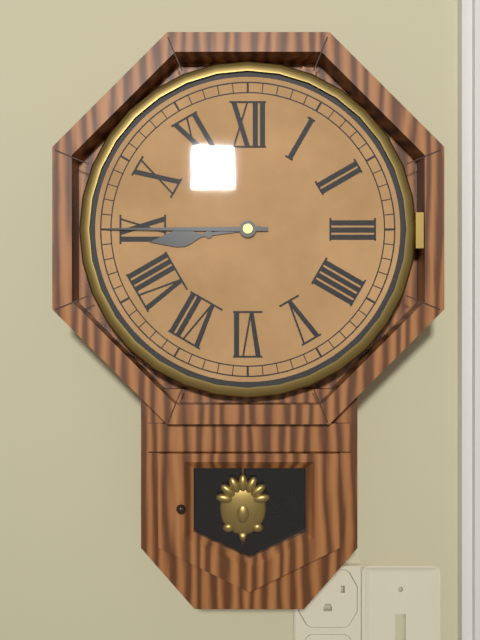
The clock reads 8,45
